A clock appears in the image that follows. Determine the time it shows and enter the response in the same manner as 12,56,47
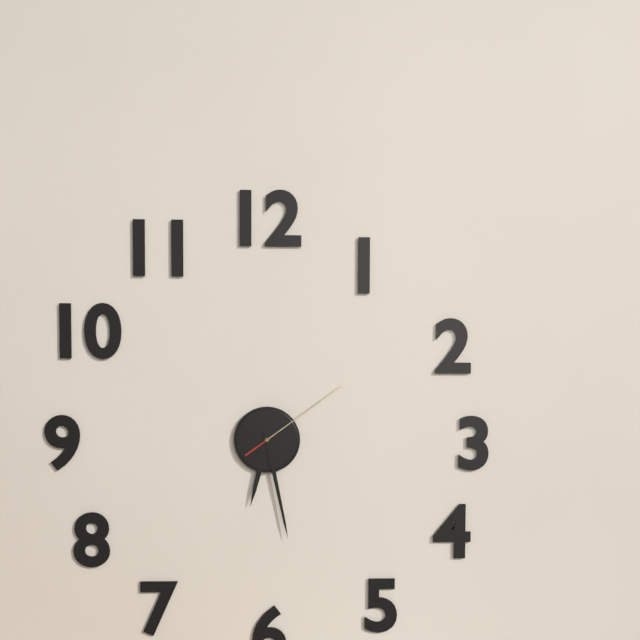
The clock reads 6,28,09
